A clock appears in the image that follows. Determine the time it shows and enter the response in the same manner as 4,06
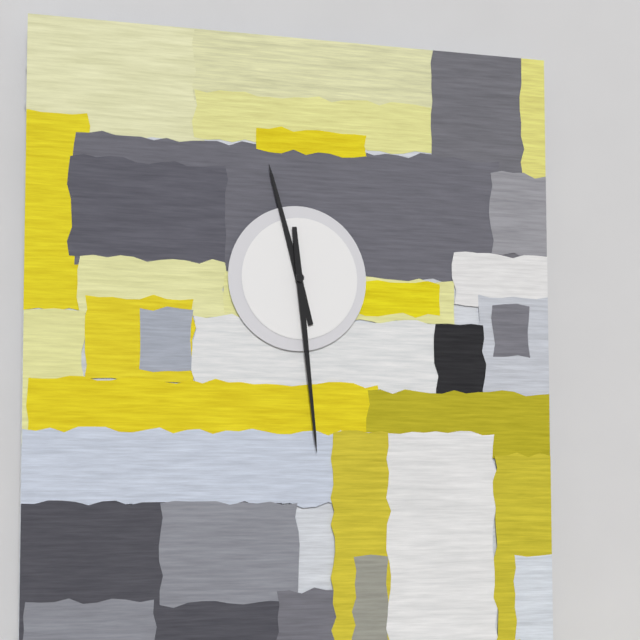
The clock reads 11,29
